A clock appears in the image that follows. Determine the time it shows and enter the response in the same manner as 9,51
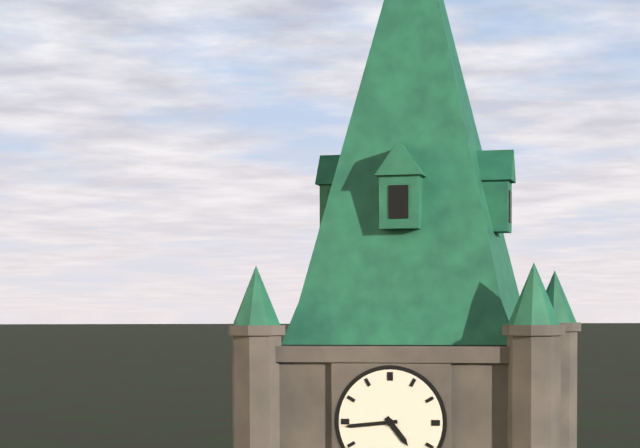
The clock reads 4,44
